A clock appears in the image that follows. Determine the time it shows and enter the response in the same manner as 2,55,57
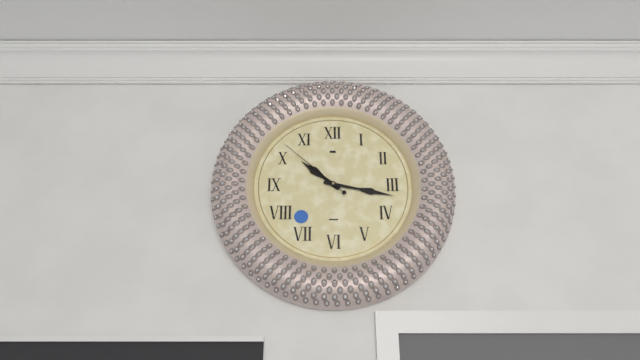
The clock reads 10,17,52
